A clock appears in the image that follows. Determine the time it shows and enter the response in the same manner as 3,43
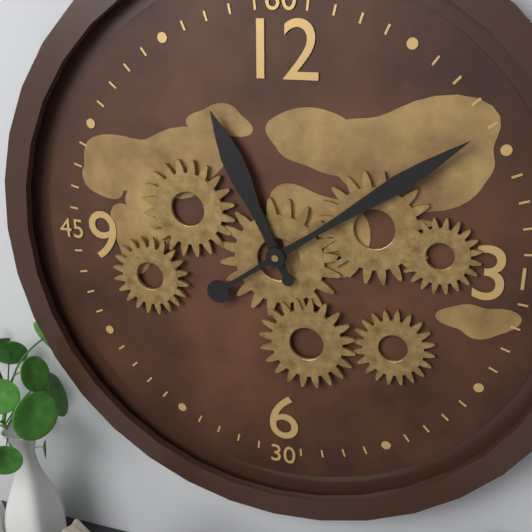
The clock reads 11,09
